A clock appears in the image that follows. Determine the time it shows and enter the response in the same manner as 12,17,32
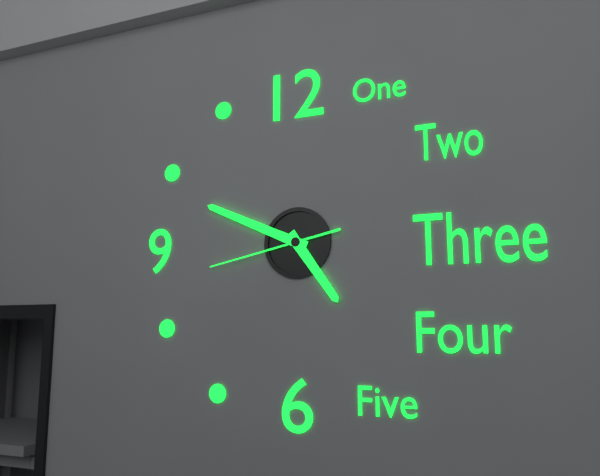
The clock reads 4,49,43
